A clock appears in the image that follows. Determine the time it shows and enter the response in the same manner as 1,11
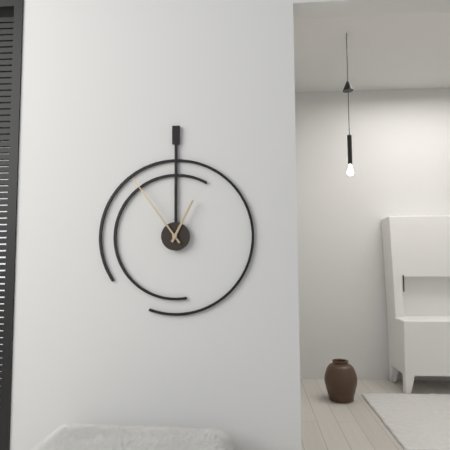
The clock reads 12,54
